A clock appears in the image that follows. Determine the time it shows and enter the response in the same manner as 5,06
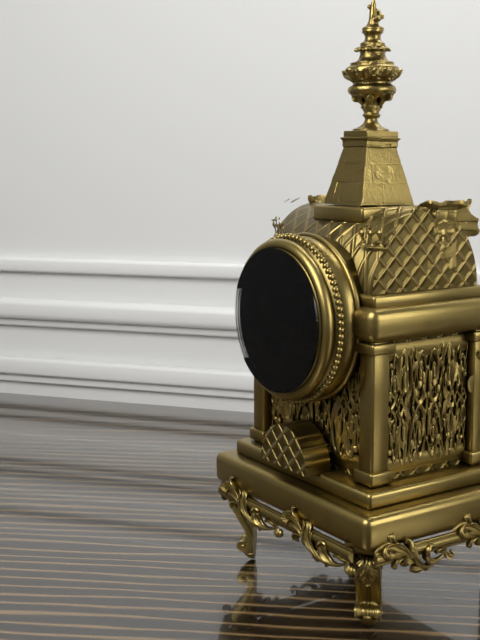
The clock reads 8,37
